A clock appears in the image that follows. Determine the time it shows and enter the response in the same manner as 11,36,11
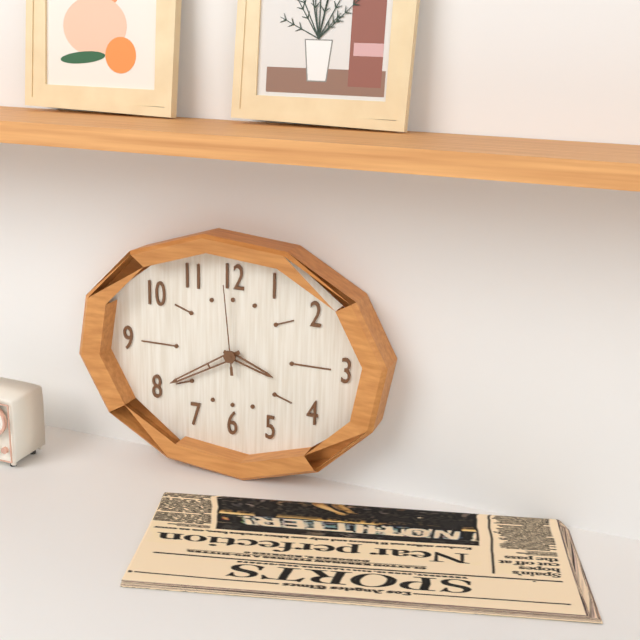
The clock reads 3,40,59
